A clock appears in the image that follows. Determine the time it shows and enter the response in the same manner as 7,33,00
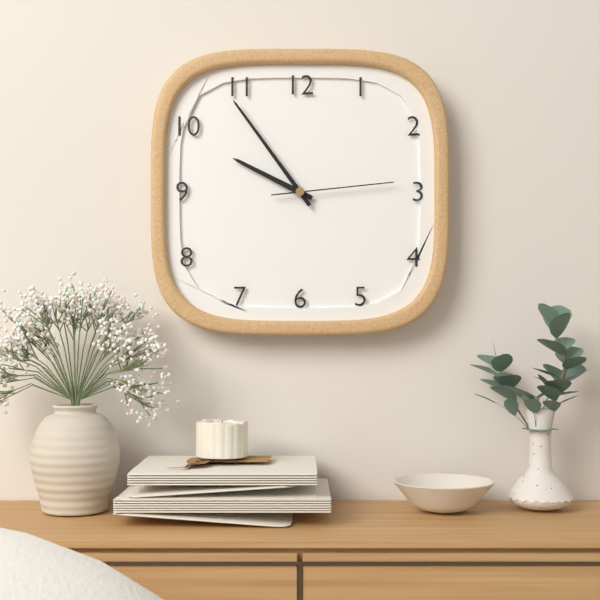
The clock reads 9,54,14
